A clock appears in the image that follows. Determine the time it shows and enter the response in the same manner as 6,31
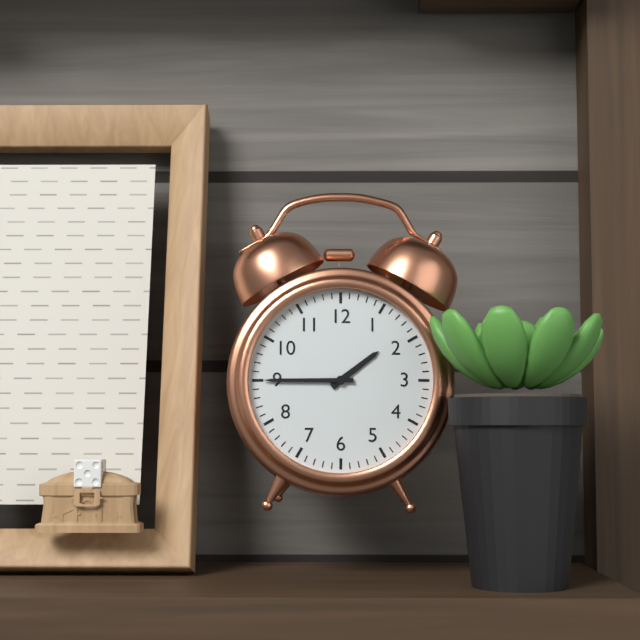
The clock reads 1,45
